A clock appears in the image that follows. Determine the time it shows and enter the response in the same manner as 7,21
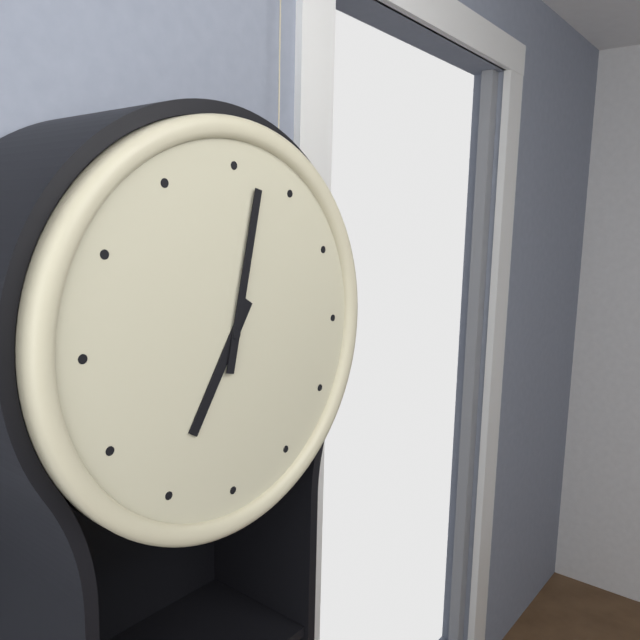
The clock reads 7,02
